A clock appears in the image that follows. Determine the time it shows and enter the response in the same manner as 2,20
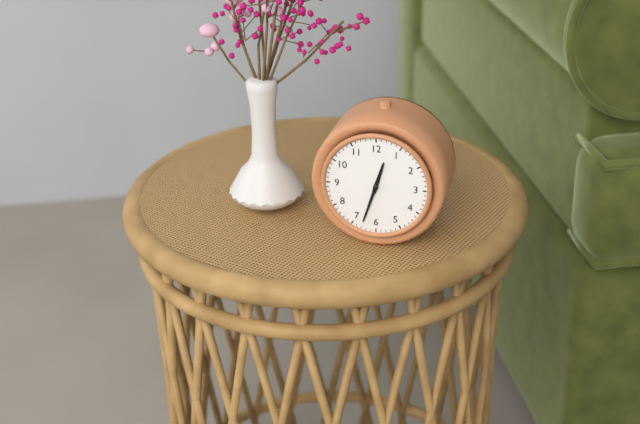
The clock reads 12,33
